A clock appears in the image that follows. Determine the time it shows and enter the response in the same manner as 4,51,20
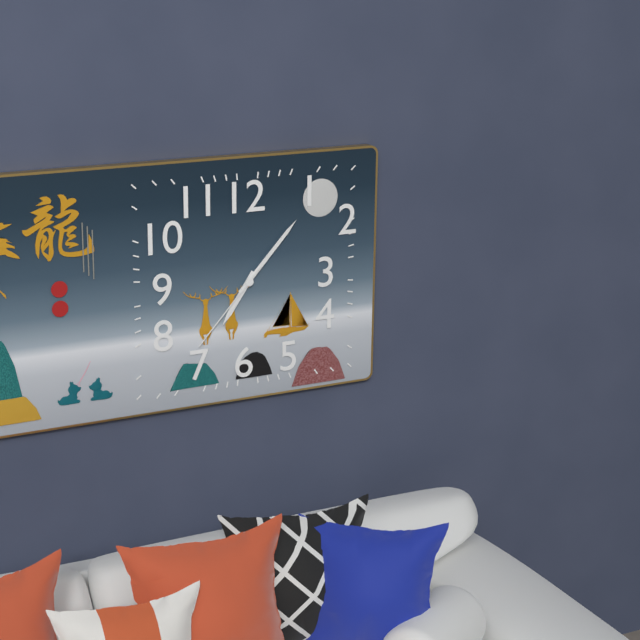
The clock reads 7,07,37
